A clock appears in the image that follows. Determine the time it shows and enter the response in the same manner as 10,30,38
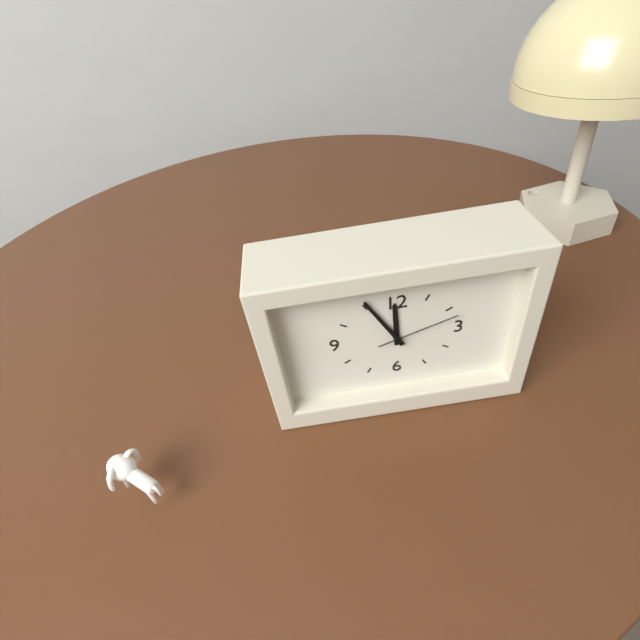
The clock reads 11,55,12
